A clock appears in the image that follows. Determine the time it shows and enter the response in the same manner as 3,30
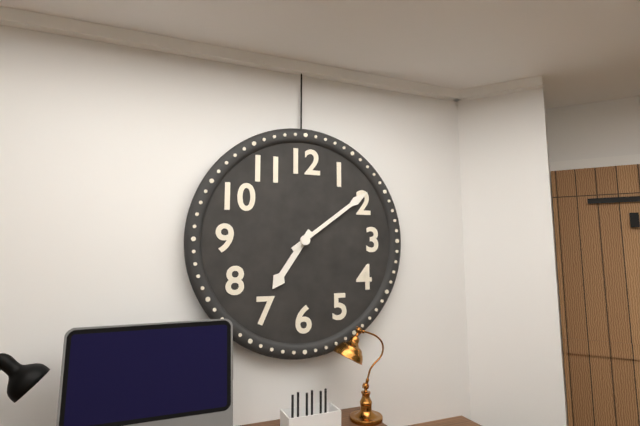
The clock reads 7,09
